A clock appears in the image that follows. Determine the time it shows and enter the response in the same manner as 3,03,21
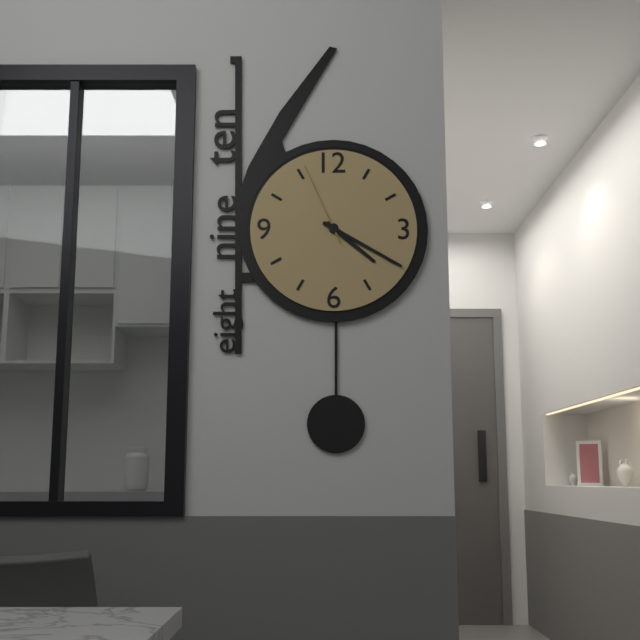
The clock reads 4,20,56
